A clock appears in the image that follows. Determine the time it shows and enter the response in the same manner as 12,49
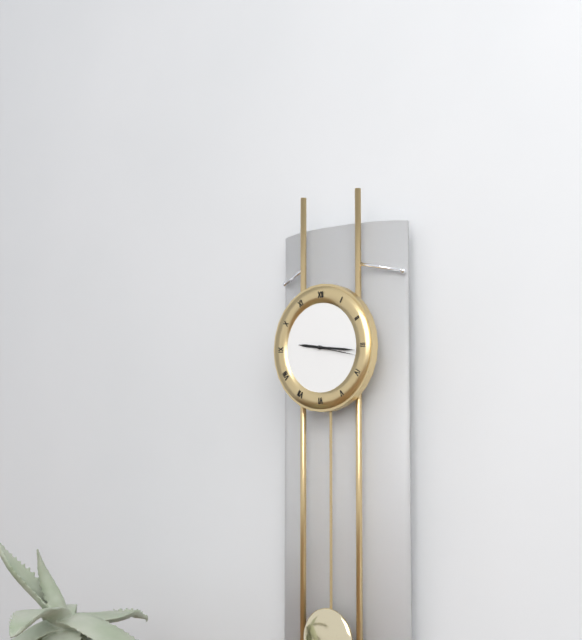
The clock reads 9,16
